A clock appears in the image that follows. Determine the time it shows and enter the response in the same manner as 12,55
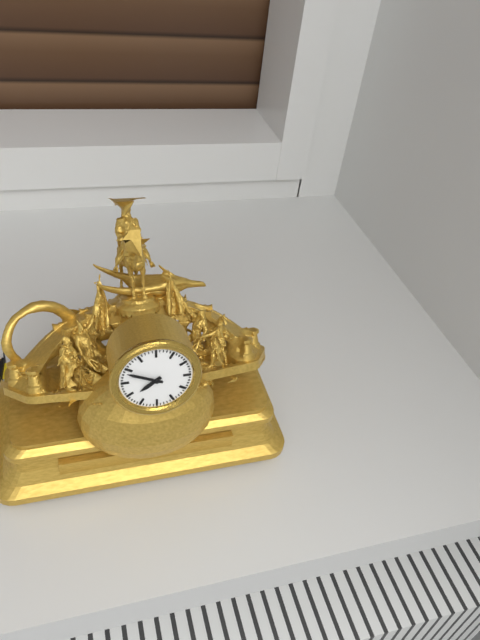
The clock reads 7,49
